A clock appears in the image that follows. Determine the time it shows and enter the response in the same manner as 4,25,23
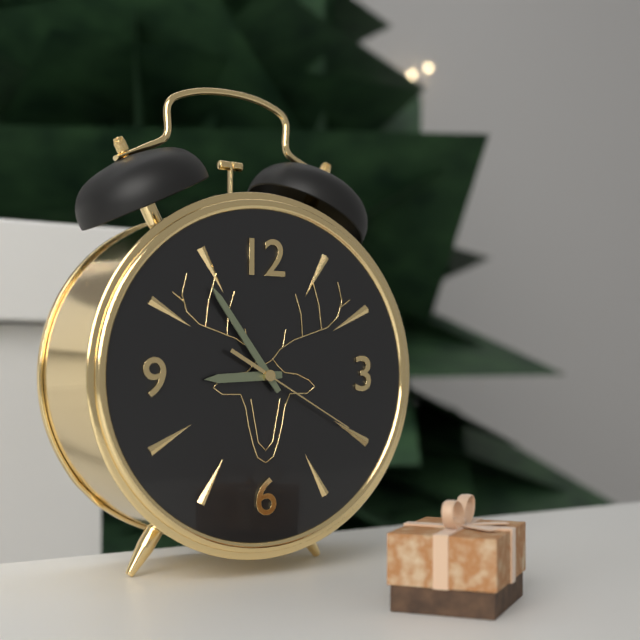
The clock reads 8,54,20
